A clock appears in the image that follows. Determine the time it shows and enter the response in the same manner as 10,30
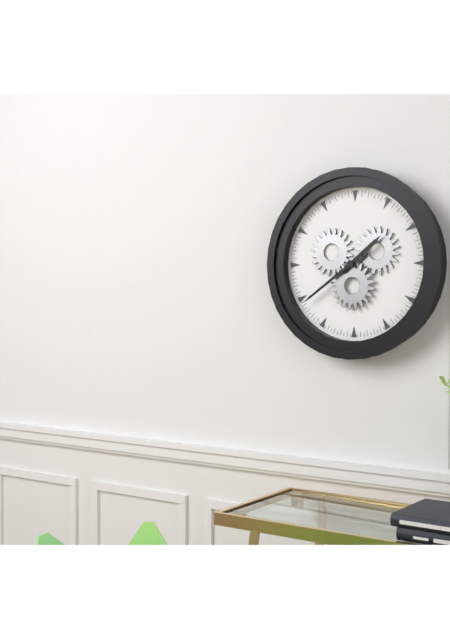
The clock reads 1,39
